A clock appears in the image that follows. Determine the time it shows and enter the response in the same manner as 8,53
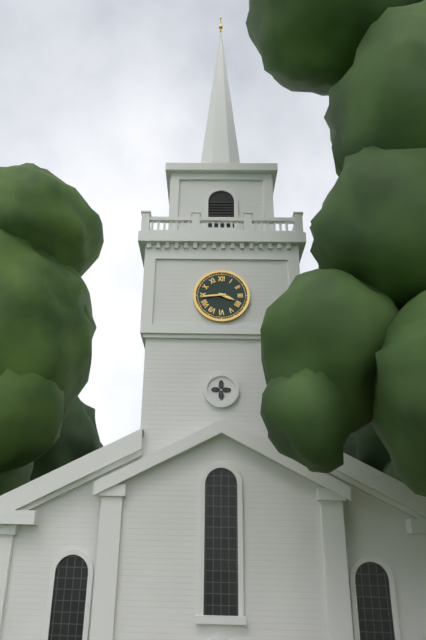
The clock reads 3,44
